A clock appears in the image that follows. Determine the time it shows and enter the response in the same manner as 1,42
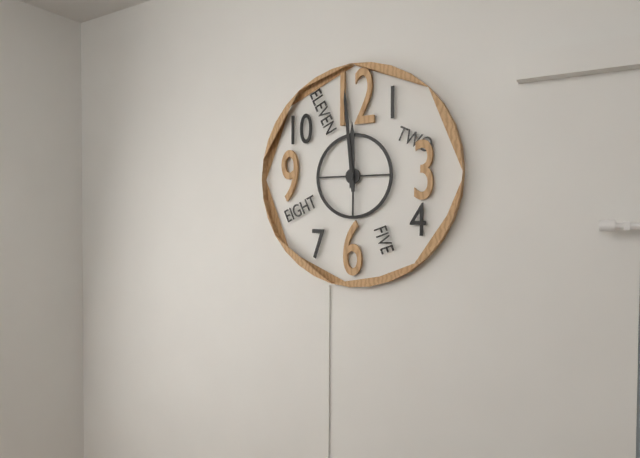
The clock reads 11,59
